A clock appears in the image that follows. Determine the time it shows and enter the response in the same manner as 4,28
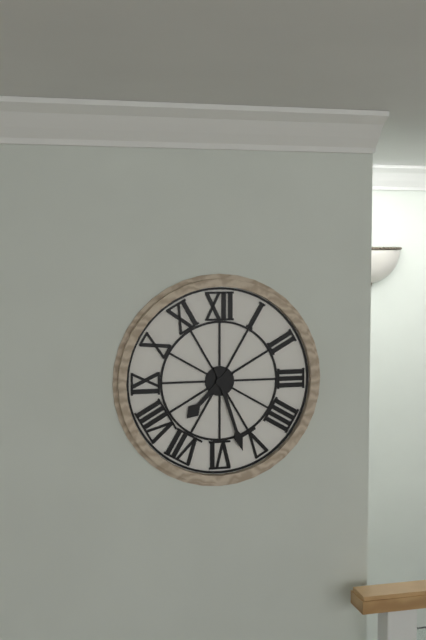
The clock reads 7,27
